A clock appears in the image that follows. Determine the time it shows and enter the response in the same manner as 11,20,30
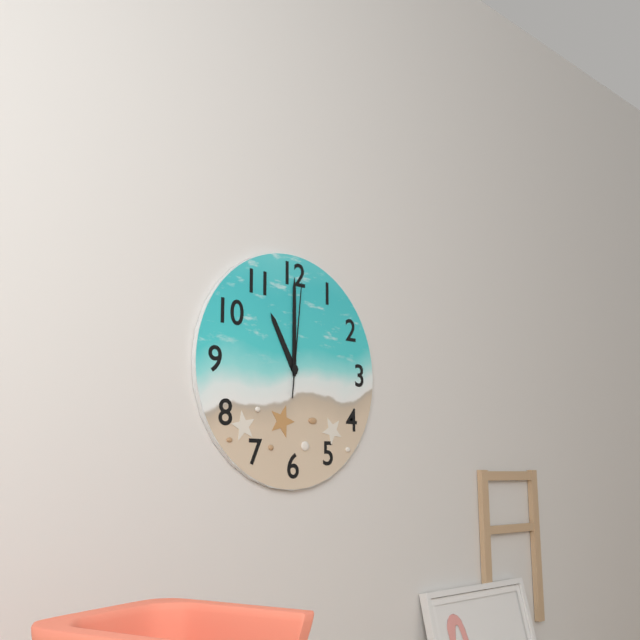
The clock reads 11,00,01
